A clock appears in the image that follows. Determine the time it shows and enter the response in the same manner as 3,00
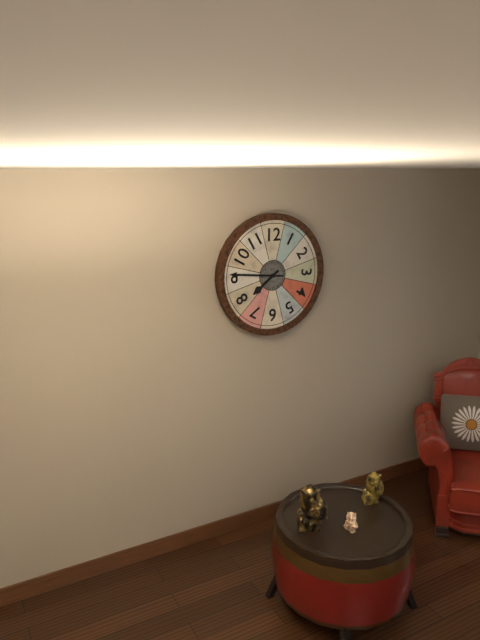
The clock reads 7,46
